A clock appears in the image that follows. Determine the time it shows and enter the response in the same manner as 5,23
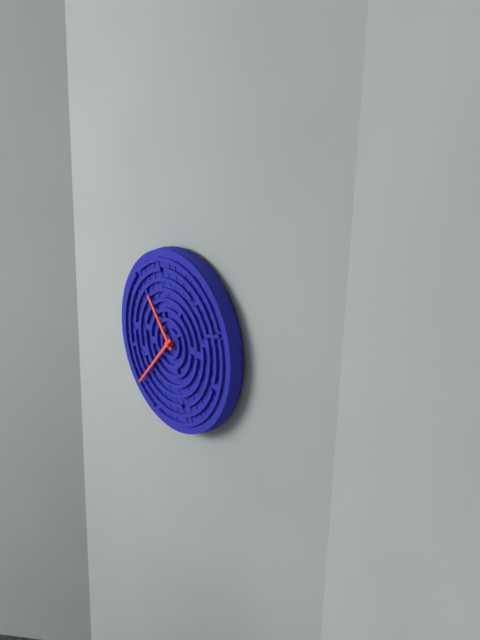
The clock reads 10,37
